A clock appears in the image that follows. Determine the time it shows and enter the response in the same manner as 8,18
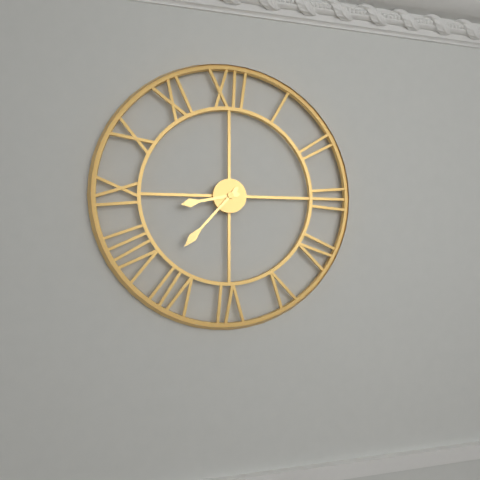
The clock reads 8,37
